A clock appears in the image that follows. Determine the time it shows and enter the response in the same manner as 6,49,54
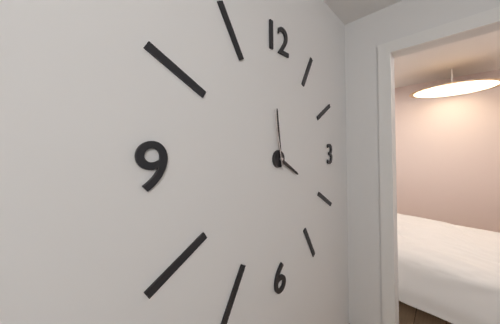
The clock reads 3,59,58
